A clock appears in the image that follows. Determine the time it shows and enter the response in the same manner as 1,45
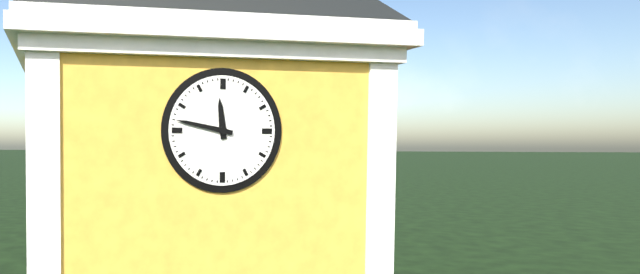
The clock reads 11,47
